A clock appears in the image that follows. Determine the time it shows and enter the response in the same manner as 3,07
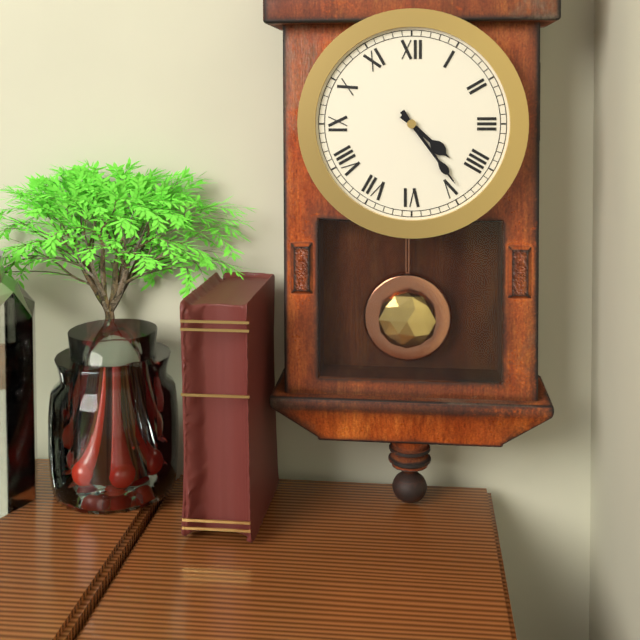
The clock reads 4,24
